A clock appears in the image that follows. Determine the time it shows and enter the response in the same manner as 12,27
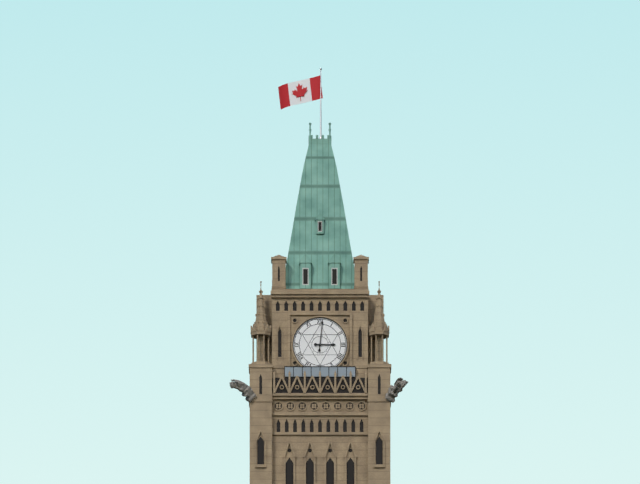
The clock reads 3,01
